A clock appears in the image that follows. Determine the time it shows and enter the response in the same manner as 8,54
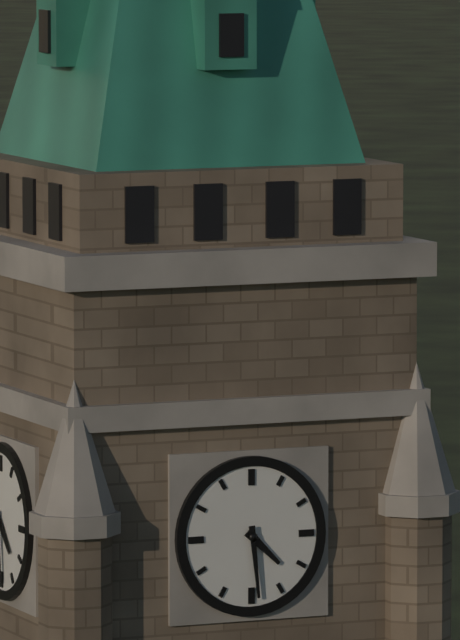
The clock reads 4,29
